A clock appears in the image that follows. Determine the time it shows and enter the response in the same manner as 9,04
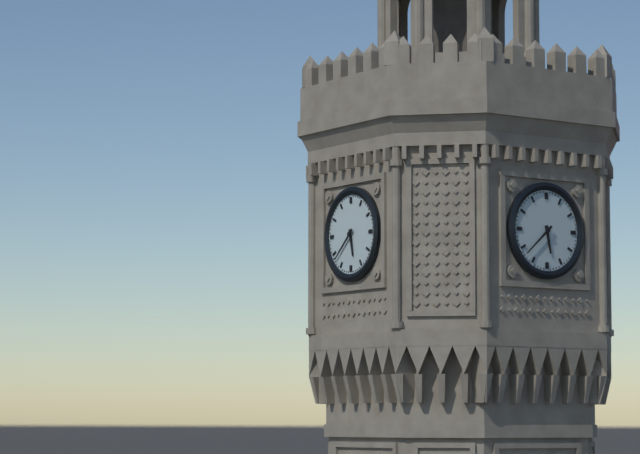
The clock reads 5,38
